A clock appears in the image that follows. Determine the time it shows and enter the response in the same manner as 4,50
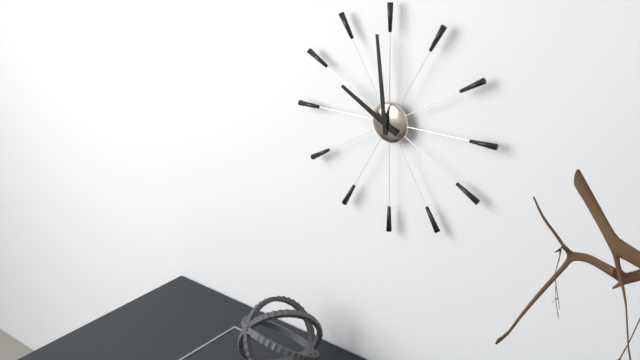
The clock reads 9,59
